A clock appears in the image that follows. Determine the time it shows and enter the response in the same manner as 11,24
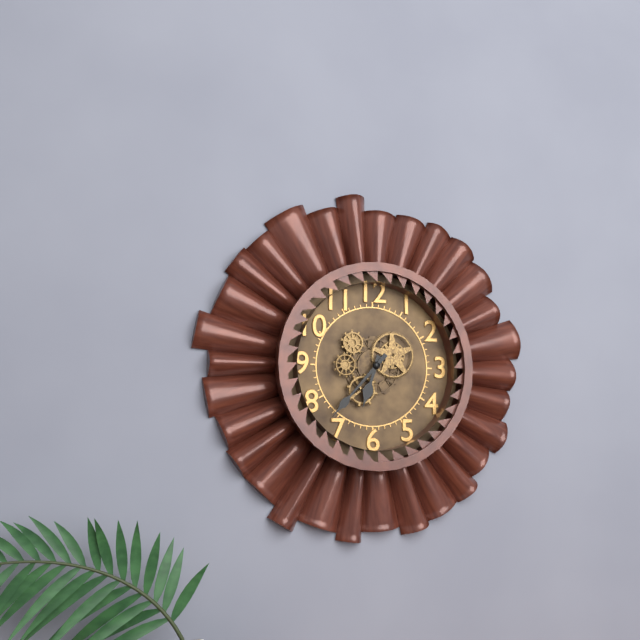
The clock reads 6,37
